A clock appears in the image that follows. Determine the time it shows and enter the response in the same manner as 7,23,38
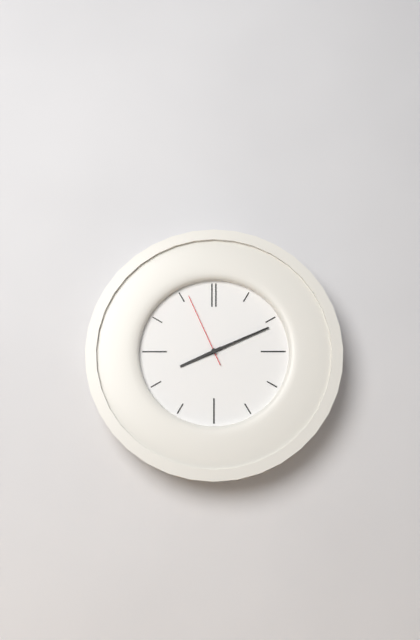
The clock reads 8,11,56
